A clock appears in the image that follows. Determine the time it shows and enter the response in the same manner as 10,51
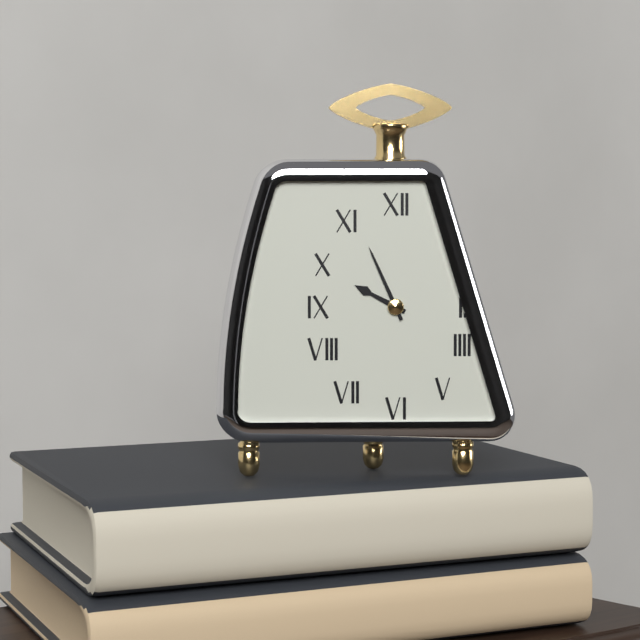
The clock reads 9,56
